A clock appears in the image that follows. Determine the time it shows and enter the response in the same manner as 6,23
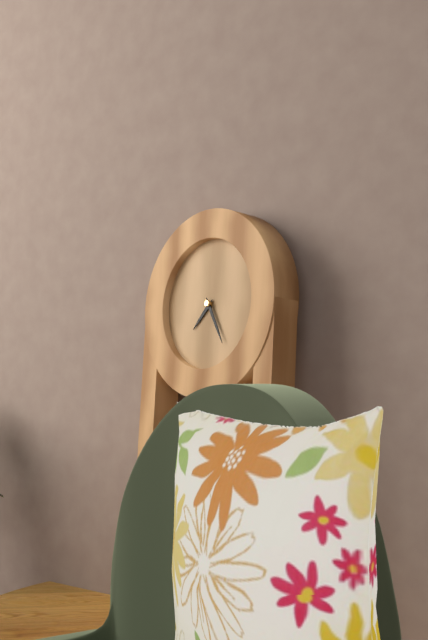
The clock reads 7,25
